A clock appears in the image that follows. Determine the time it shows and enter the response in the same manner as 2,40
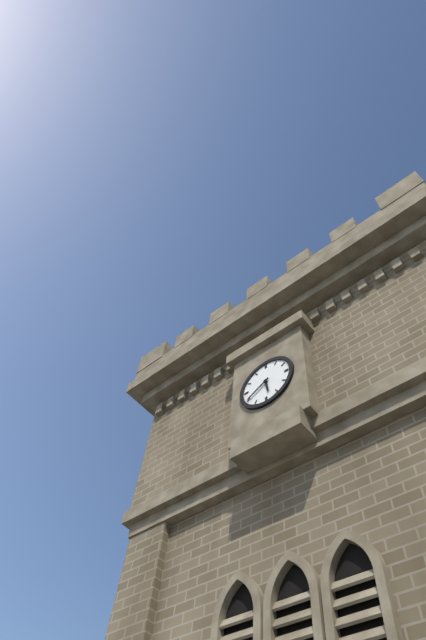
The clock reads 5,40
